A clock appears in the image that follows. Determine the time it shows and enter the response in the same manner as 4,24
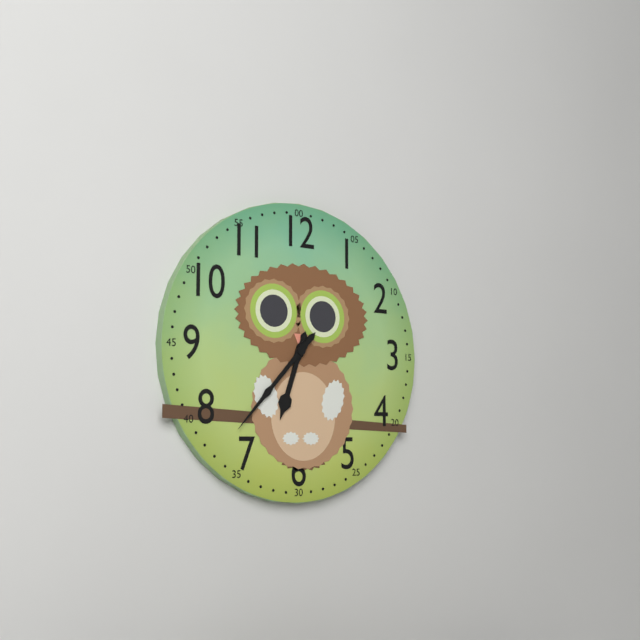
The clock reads 6,37
